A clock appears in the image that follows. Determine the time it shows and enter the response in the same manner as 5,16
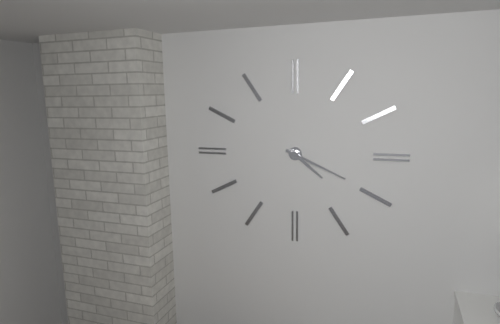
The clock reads 4,19
